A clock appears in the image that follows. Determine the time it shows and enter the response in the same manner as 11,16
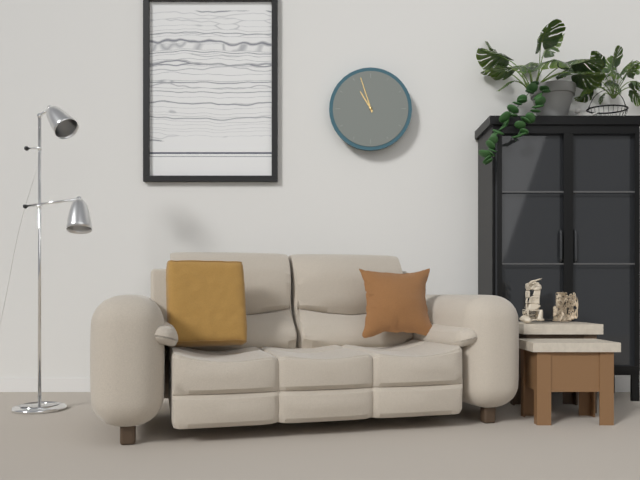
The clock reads 10,57
